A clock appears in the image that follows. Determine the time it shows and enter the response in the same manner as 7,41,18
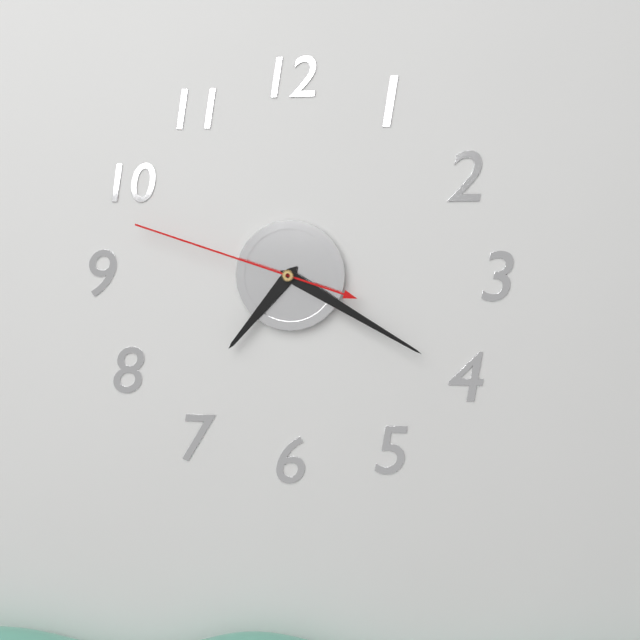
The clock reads 7,20,48
